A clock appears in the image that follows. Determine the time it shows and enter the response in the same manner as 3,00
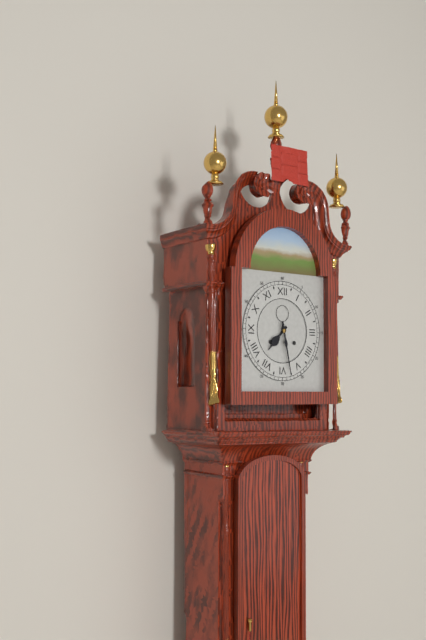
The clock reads 7,28
